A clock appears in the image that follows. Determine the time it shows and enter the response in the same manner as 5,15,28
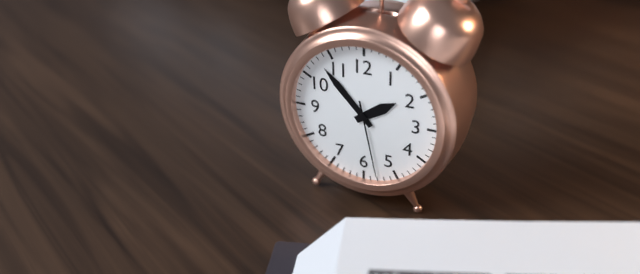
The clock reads 1,53,28
